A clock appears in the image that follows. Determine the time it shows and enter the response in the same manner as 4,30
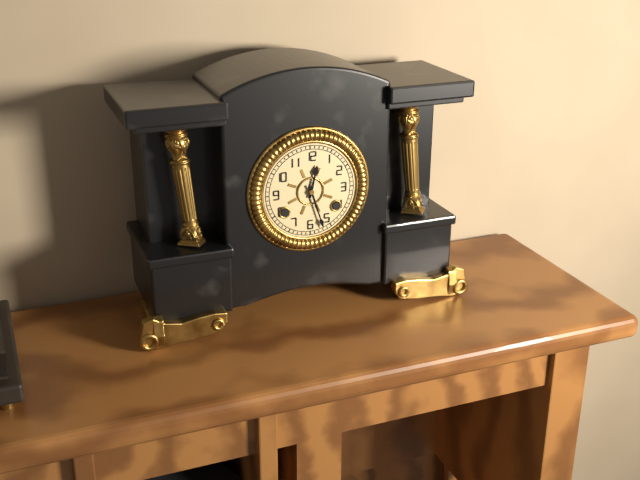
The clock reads 12,27
